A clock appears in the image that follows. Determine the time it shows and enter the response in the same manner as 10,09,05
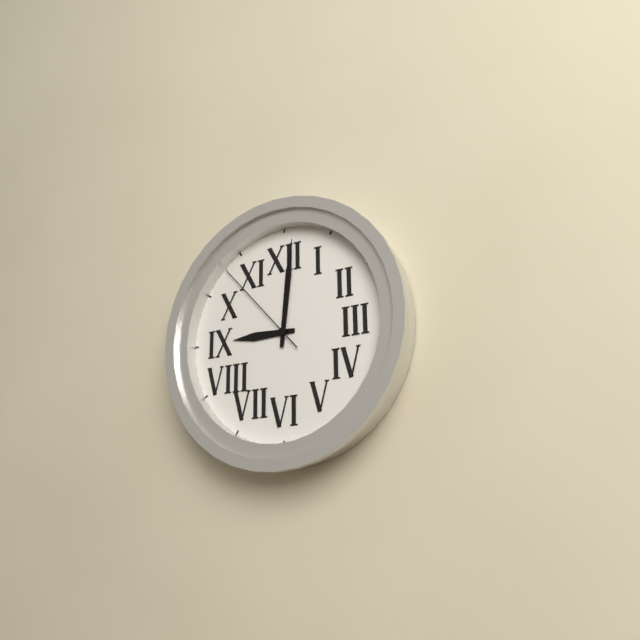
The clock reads 9,01,53
